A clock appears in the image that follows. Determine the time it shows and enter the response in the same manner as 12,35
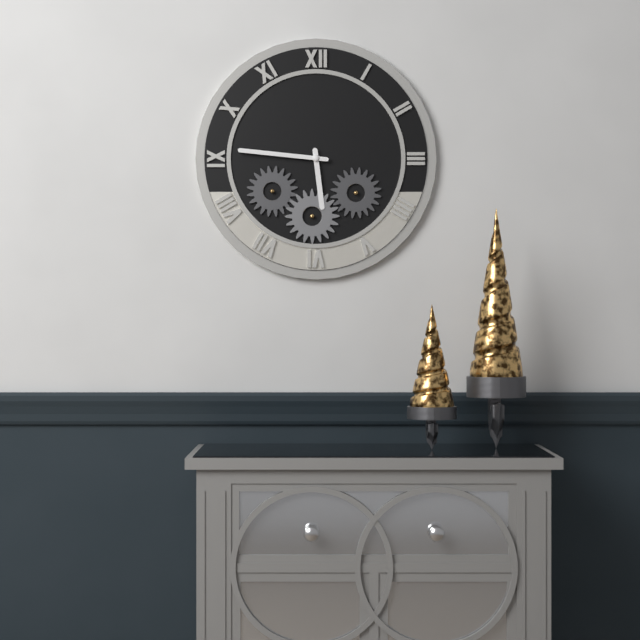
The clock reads 5,46
